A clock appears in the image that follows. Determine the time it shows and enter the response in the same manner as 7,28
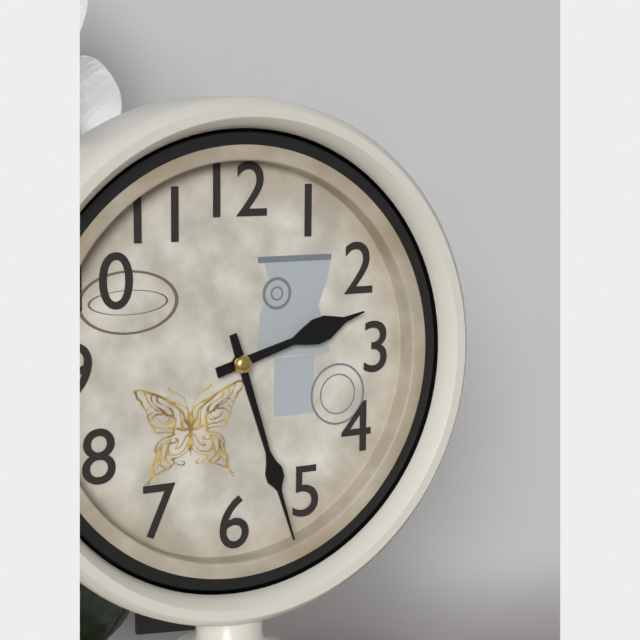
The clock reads 2,27
